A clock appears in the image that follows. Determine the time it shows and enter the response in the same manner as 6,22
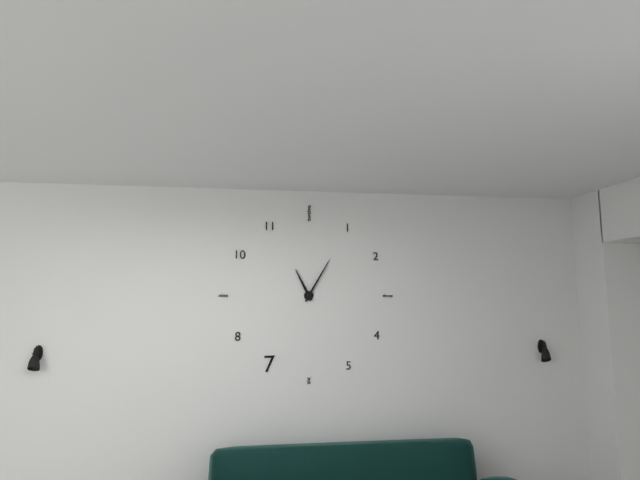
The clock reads 11,05
